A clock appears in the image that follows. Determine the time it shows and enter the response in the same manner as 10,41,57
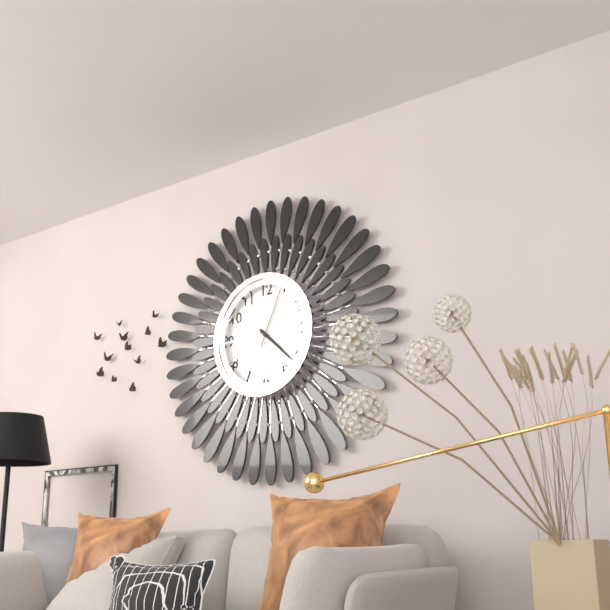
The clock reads 4,22,04
